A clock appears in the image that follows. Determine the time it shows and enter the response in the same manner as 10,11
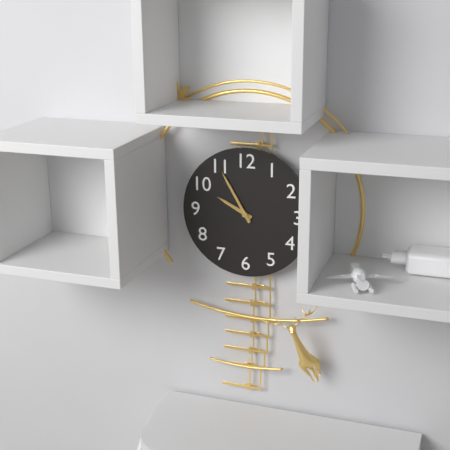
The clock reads 9,55
